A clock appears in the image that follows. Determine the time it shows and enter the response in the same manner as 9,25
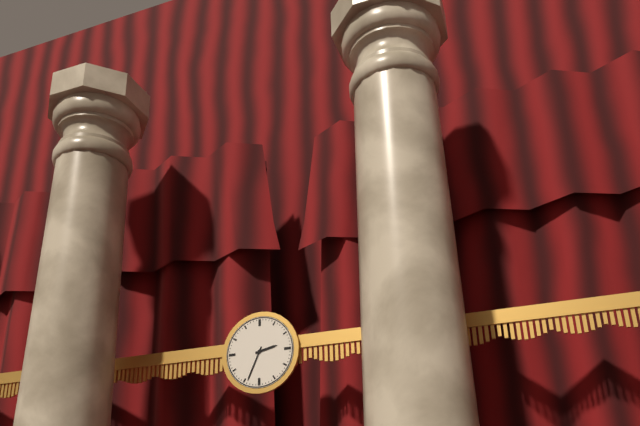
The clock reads 2,34
